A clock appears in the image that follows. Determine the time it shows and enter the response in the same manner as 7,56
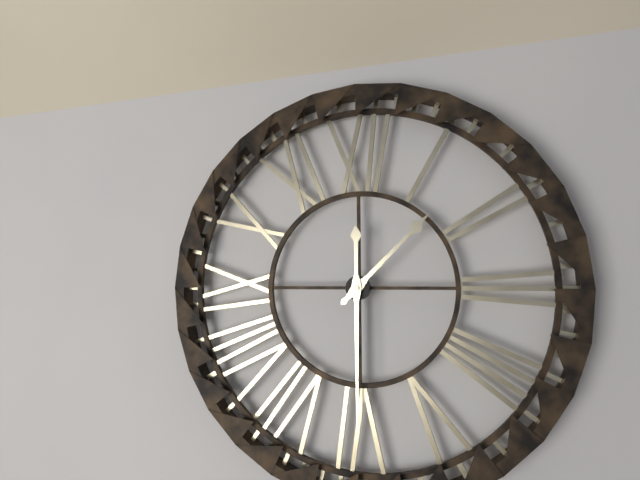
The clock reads 1,30
